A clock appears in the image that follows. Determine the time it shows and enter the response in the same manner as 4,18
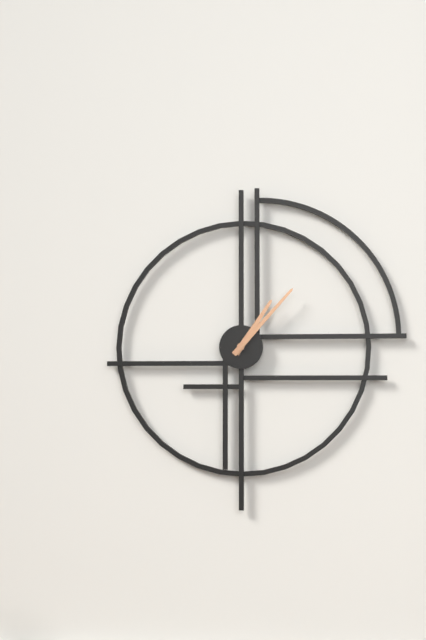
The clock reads 1,07
